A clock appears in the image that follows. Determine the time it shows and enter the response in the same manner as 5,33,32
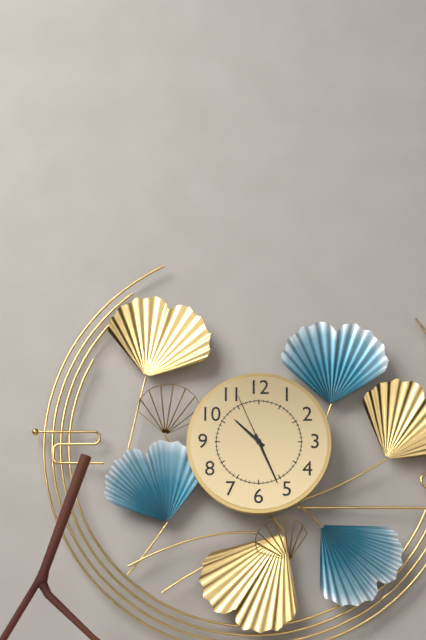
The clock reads 10,26,56
